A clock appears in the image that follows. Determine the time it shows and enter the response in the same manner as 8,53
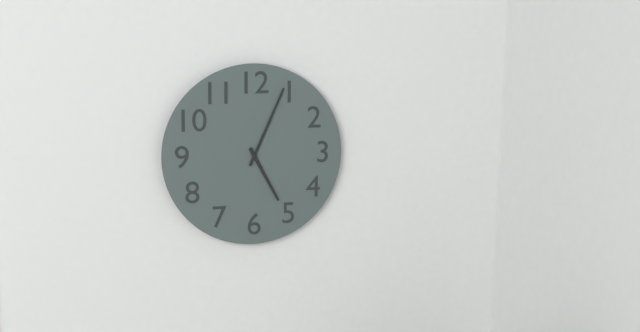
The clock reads 5,04
